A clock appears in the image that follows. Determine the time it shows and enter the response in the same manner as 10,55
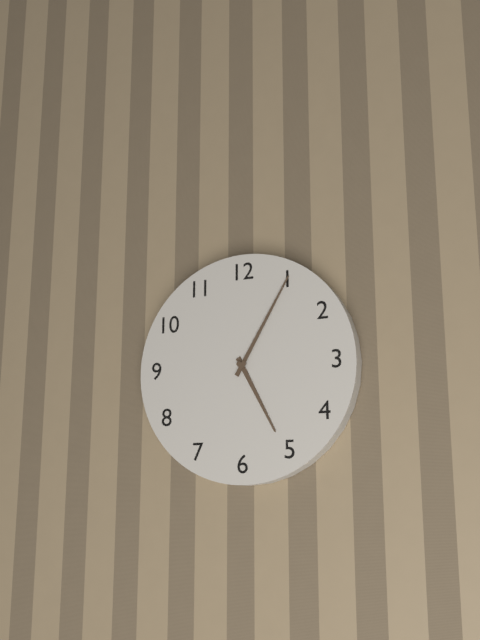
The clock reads 5,05
